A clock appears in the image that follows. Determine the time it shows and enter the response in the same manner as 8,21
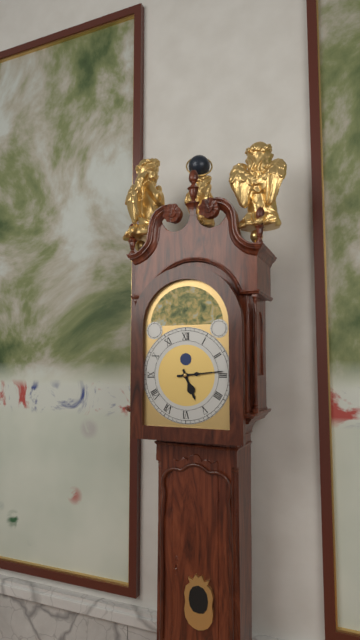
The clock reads 5,14
